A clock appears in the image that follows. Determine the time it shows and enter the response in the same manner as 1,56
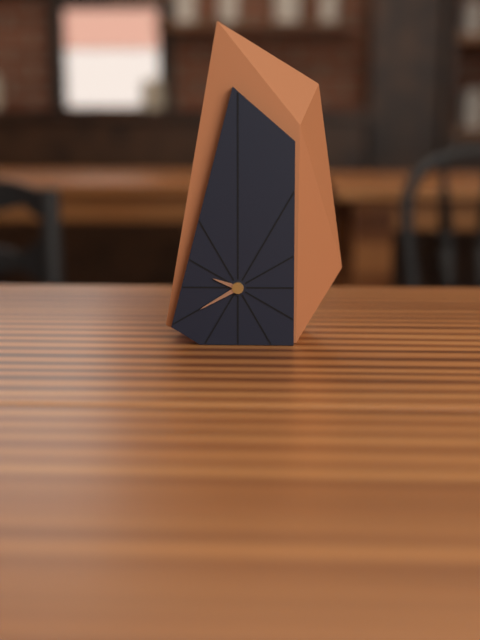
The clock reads 9,40
